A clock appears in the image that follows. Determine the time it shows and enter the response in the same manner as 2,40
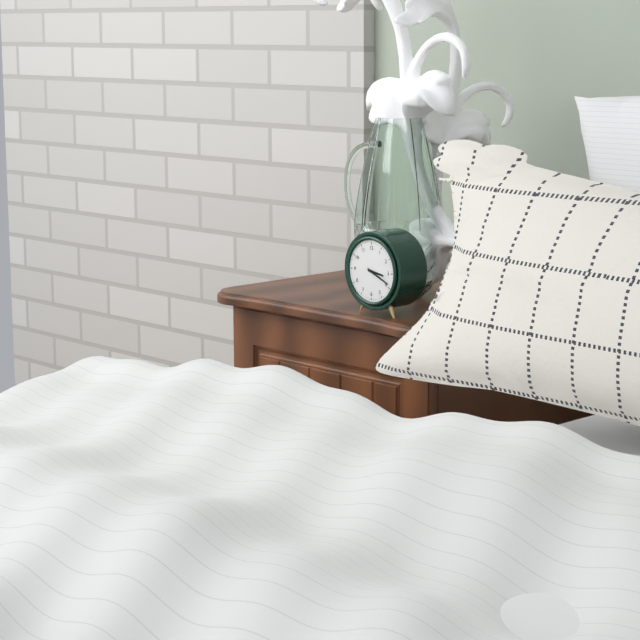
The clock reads 3,19
